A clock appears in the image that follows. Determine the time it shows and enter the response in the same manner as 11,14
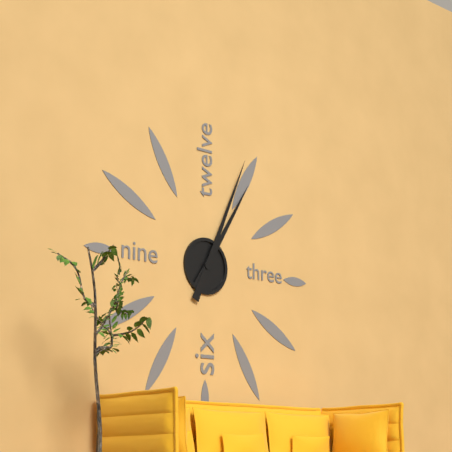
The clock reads 1,04
